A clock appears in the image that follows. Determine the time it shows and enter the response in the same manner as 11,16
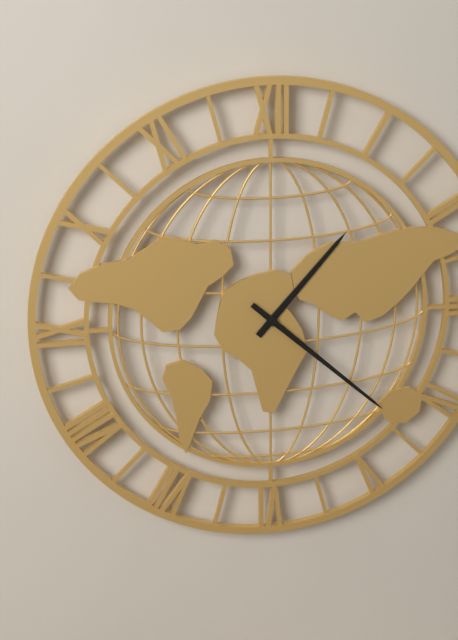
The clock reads 1,22
